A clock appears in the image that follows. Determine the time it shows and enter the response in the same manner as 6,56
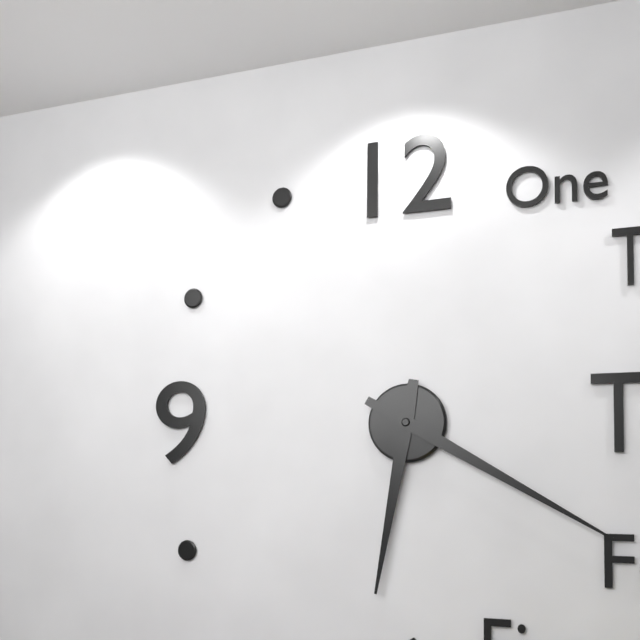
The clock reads 6,20
